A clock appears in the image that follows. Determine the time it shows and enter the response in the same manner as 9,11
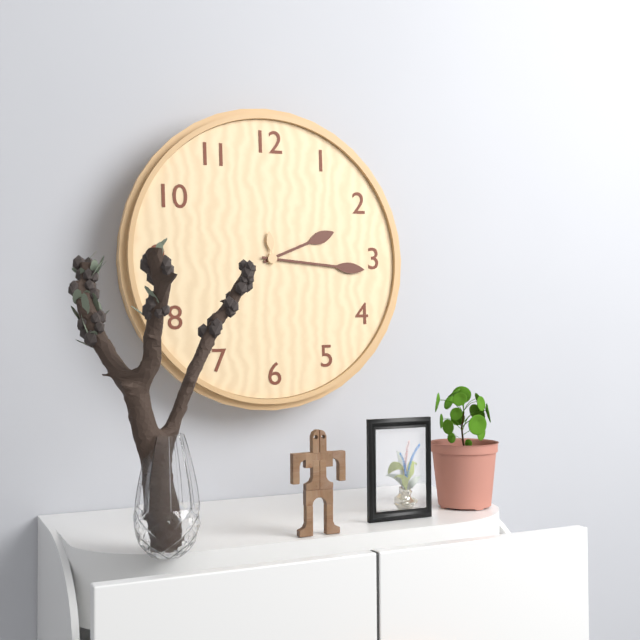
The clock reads 2,16
